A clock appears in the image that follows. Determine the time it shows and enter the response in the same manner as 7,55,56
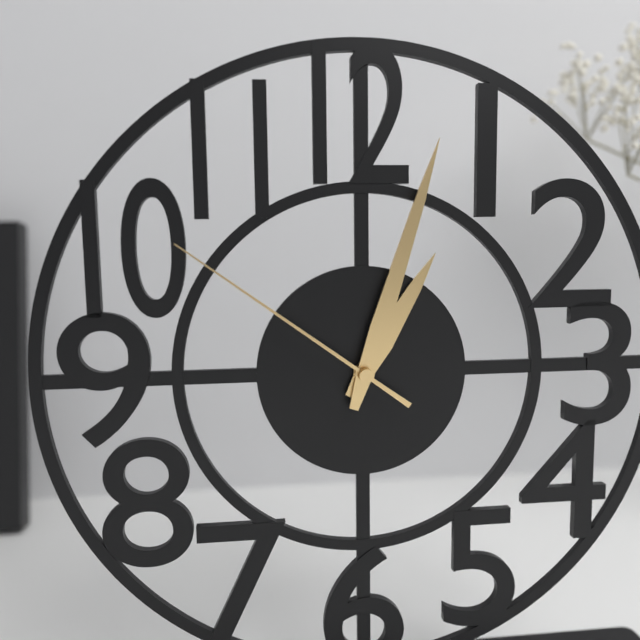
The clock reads 1,03,51
